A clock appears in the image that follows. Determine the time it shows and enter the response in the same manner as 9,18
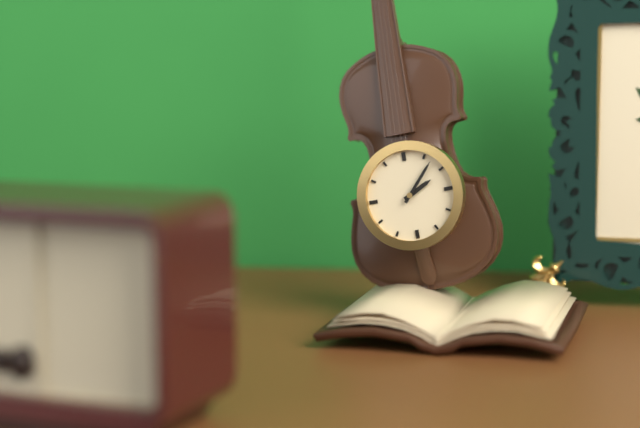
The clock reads 2,07
